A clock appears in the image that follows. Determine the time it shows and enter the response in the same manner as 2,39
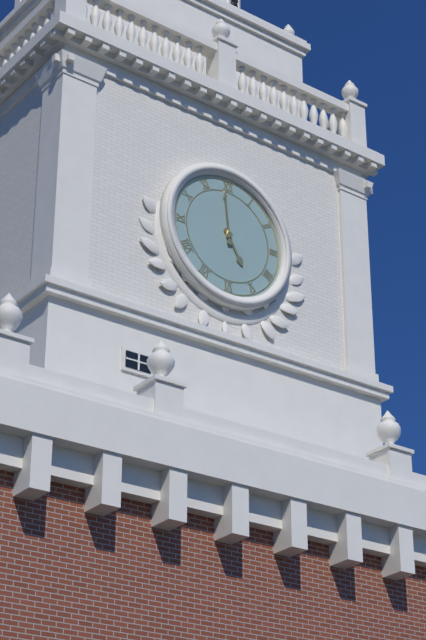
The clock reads 4,59
